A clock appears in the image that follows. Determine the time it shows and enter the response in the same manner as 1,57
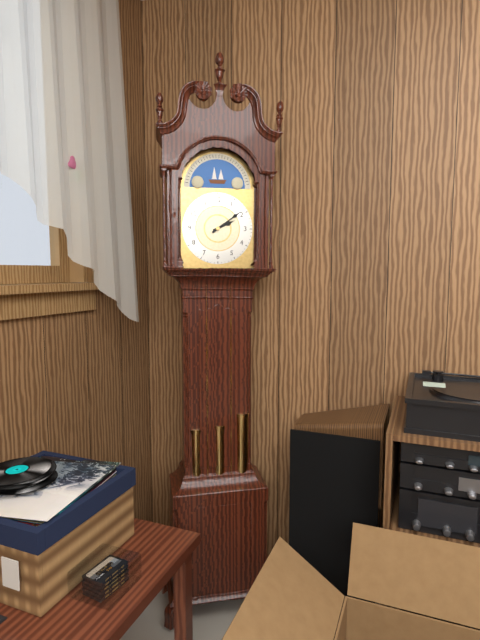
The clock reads 2,09
